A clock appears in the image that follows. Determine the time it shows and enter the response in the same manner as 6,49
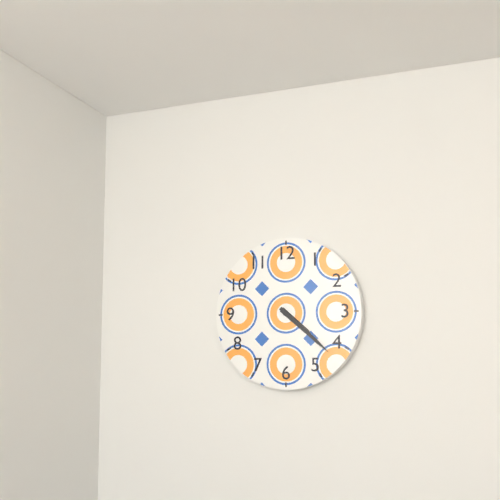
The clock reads 4,22
